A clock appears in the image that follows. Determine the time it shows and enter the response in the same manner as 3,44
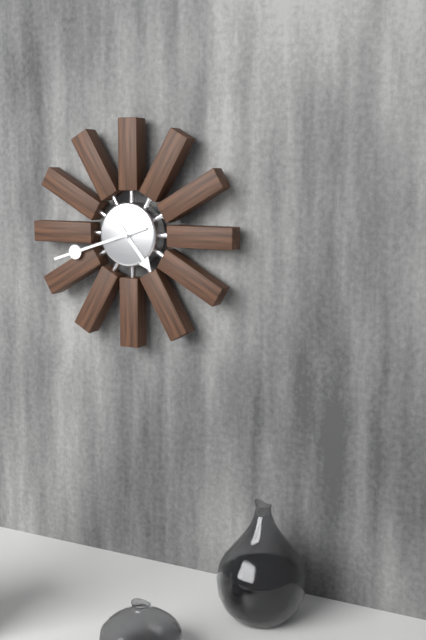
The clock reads 4,42
